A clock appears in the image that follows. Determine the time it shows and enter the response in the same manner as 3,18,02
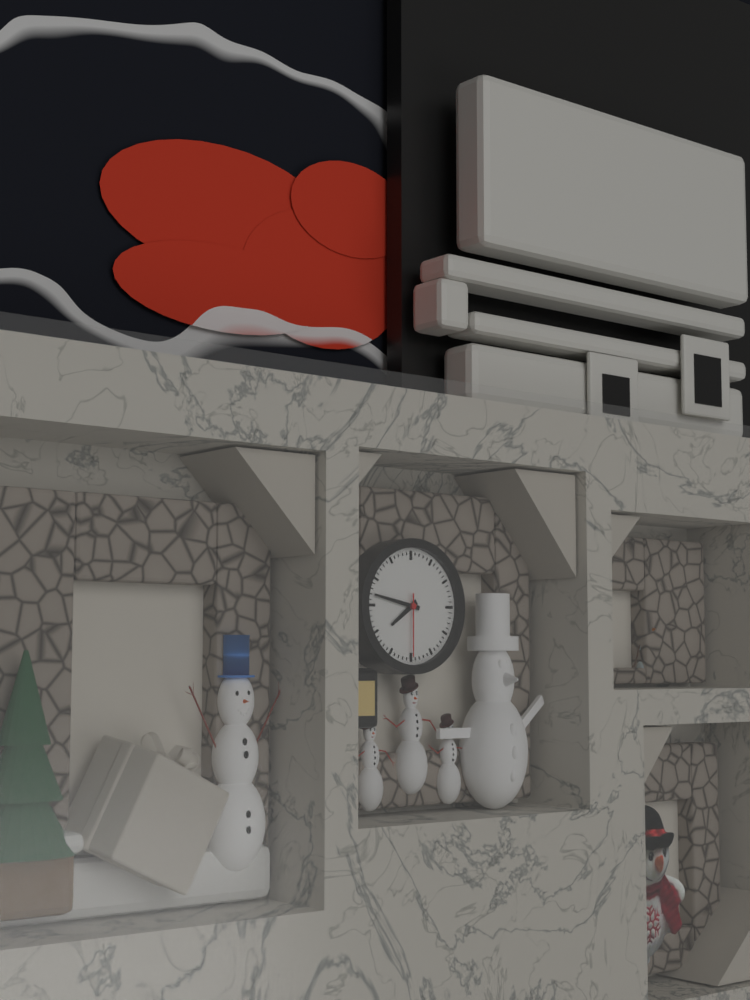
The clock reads 7,47,30
